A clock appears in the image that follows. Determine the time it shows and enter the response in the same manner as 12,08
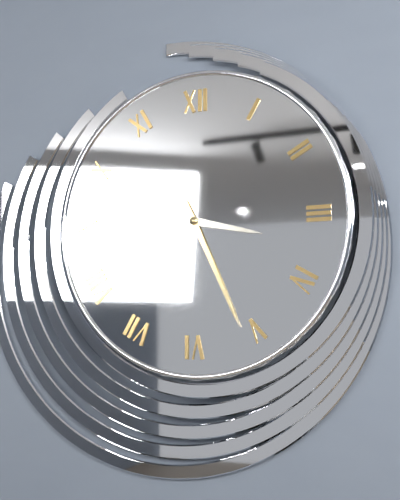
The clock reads 3,26
